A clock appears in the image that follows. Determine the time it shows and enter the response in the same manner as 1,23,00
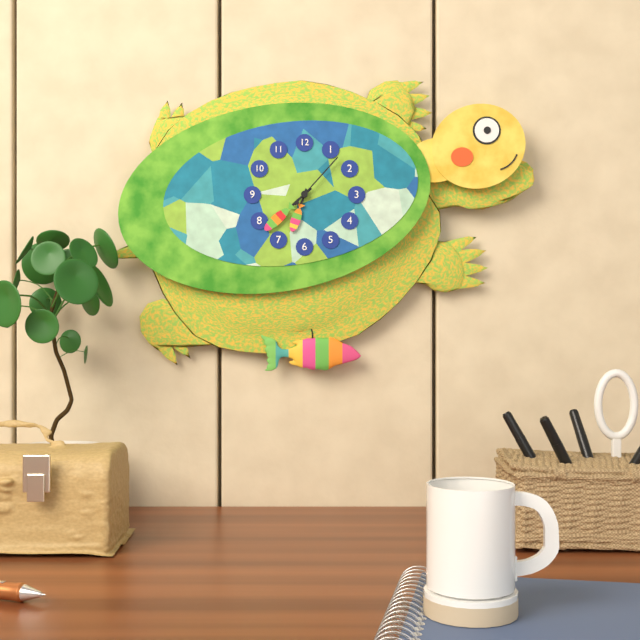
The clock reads 6,38,07
